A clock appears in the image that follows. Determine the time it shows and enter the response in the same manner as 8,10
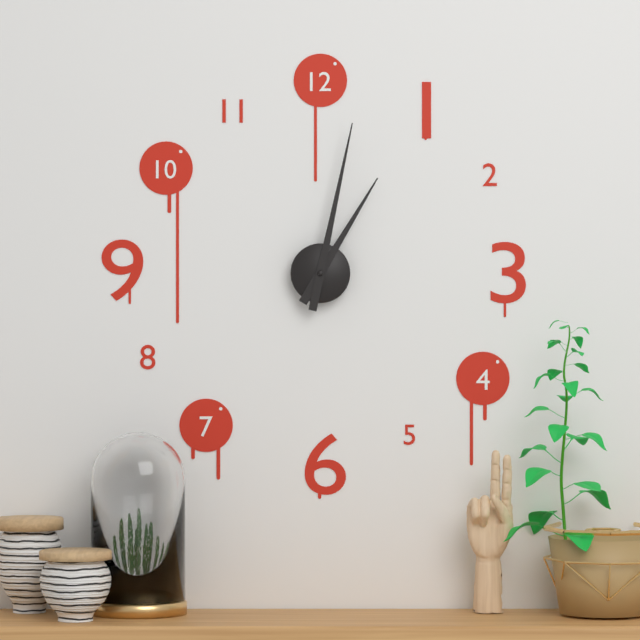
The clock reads 1,02
